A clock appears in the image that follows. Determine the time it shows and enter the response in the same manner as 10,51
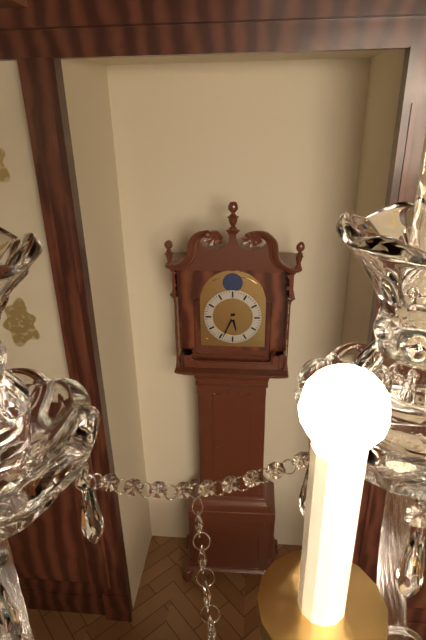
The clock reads 5,34
